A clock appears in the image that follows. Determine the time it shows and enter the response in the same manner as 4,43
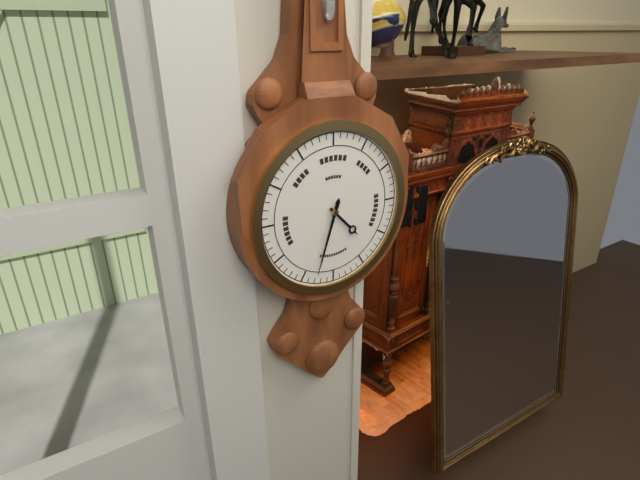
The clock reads 4,33
